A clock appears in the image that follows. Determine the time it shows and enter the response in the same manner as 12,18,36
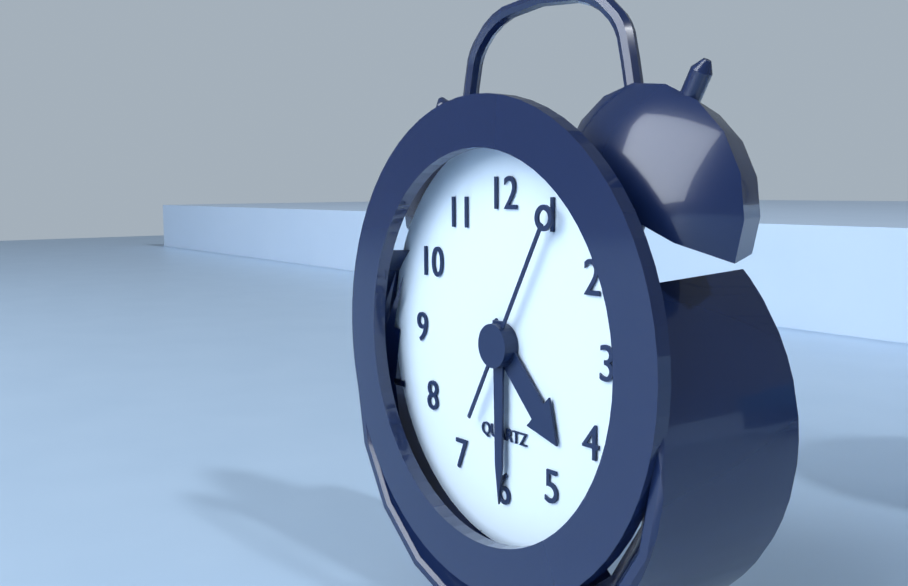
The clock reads 4,30,05
